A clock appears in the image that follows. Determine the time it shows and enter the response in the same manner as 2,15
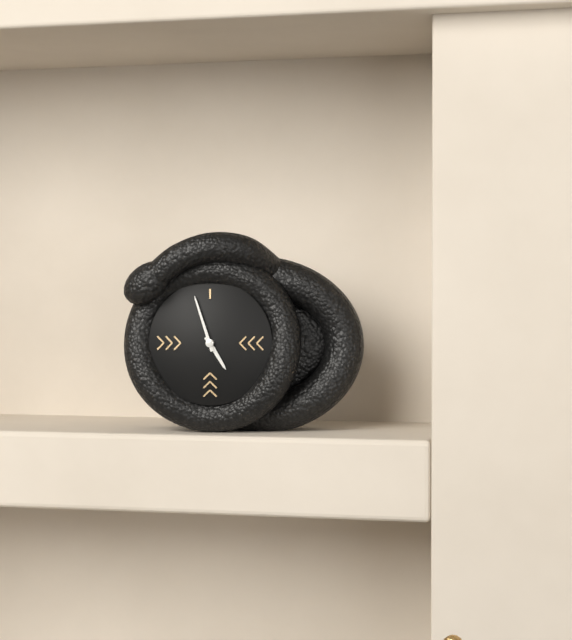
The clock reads 4,57
